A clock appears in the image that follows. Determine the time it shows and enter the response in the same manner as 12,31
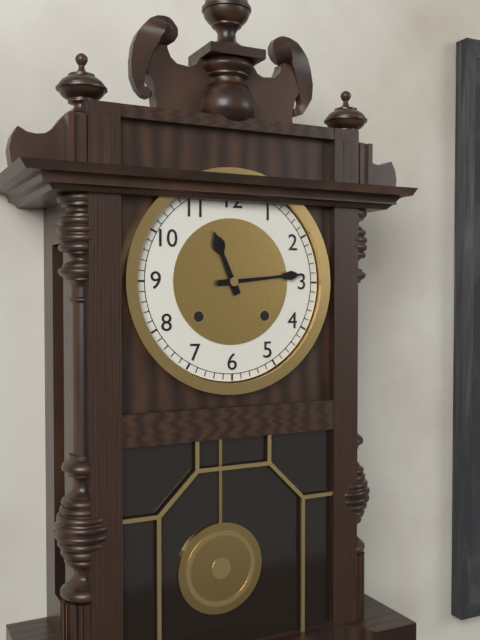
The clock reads 11,14
